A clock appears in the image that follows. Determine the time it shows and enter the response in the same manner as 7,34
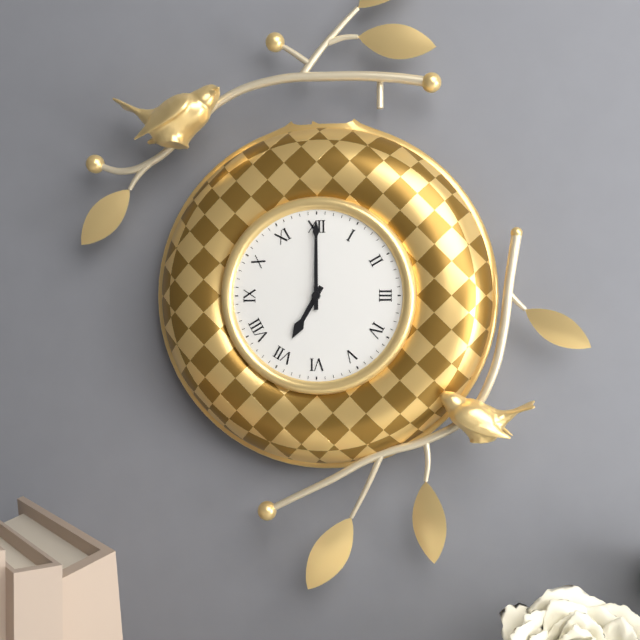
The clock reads 7,00
